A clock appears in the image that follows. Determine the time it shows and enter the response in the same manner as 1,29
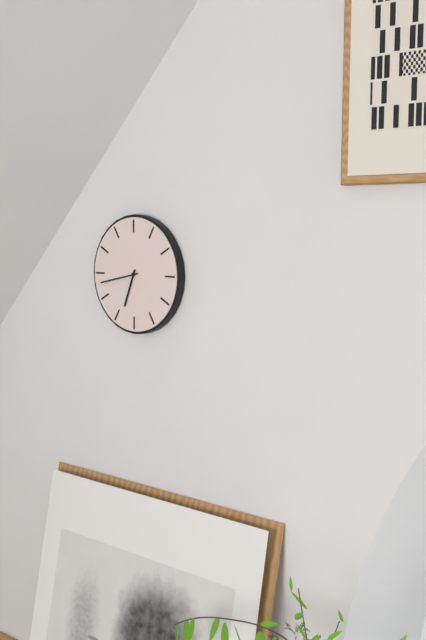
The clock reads 6,43
